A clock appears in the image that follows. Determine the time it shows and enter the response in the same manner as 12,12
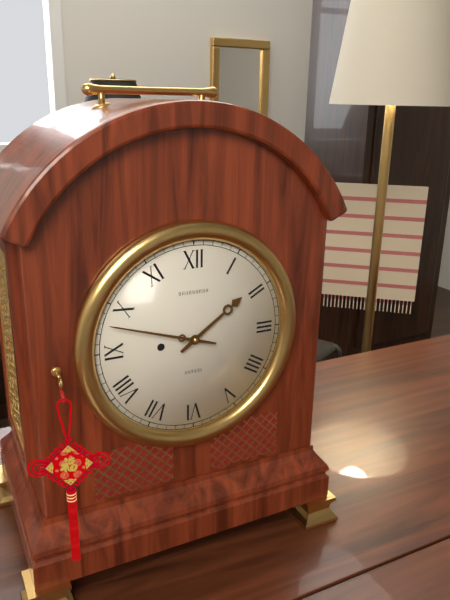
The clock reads 1,48
